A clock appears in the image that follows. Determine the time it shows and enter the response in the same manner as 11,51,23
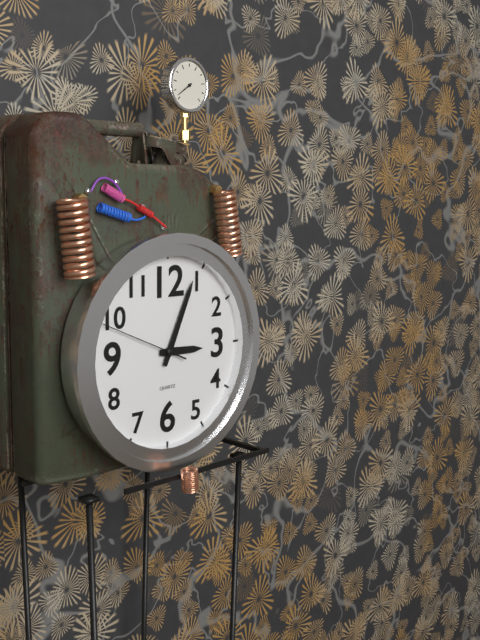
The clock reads 3,04,49
